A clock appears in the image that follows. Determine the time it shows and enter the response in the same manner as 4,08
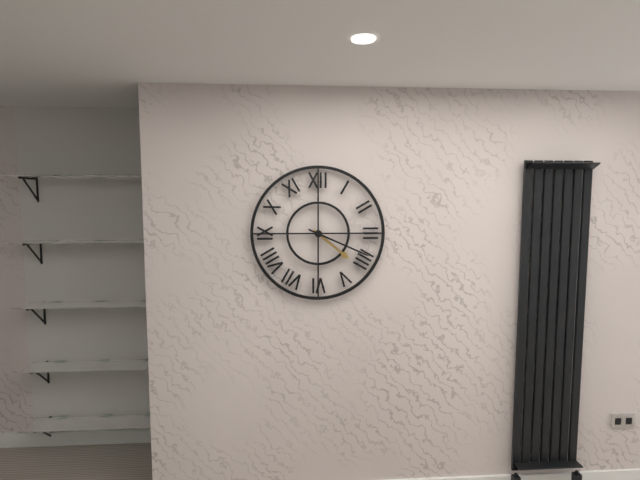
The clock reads 4,19
